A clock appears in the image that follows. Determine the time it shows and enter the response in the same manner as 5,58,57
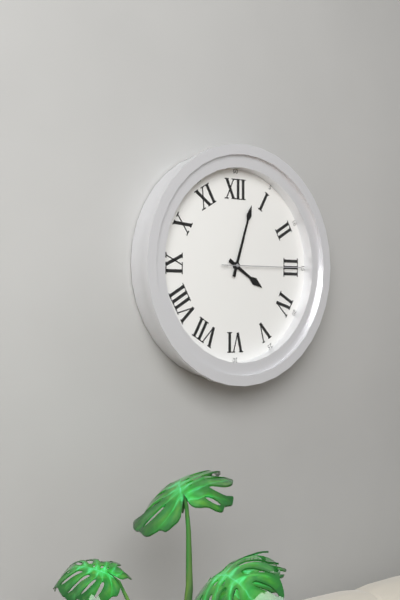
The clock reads 4,03,15
